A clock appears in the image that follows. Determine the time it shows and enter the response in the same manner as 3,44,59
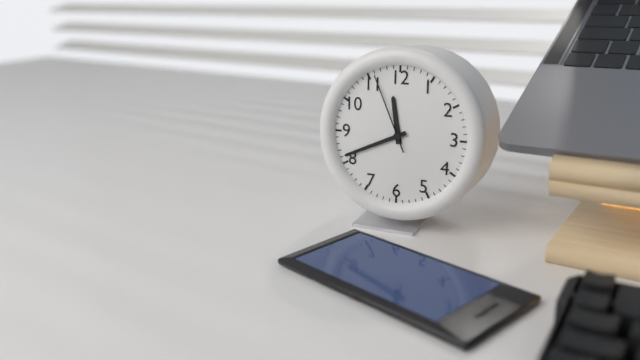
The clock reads 11,41,56
